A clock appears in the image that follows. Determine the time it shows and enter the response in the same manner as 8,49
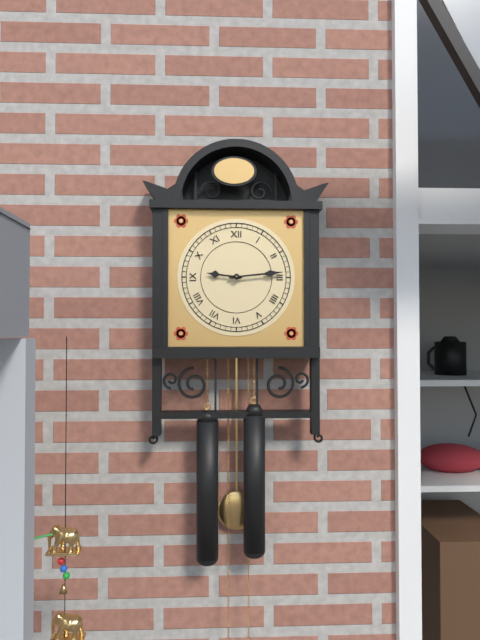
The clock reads 9,14
